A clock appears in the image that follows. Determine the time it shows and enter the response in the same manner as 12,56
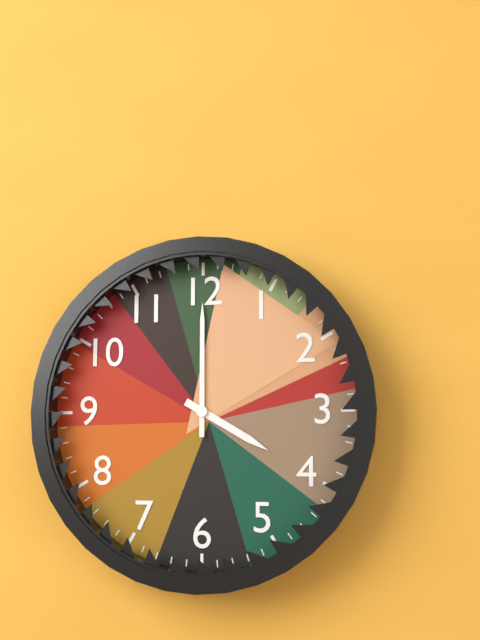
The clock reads 4,00
